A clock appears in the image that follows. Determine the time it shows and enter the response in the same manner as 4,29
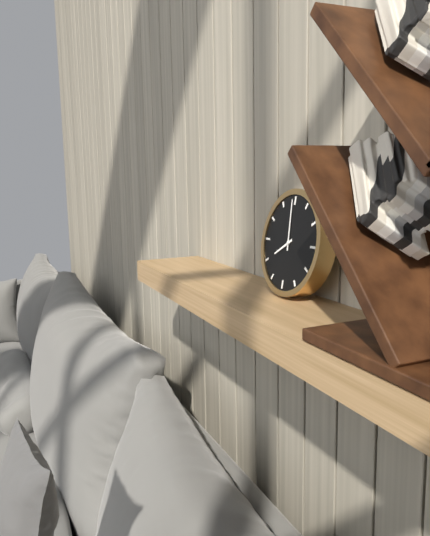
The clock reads 7,59
